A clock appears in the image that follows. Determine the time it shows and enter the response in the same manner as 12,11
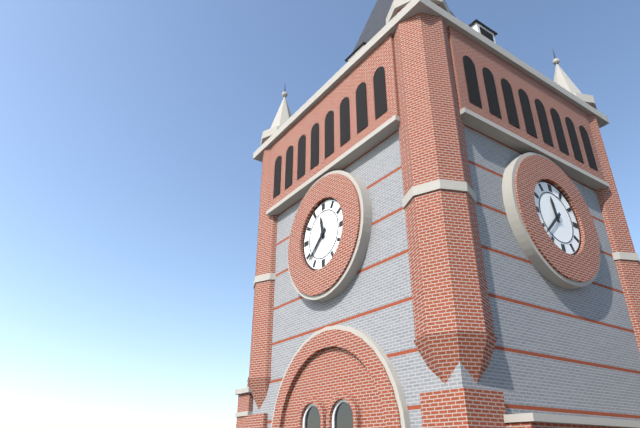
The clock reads 11,38
